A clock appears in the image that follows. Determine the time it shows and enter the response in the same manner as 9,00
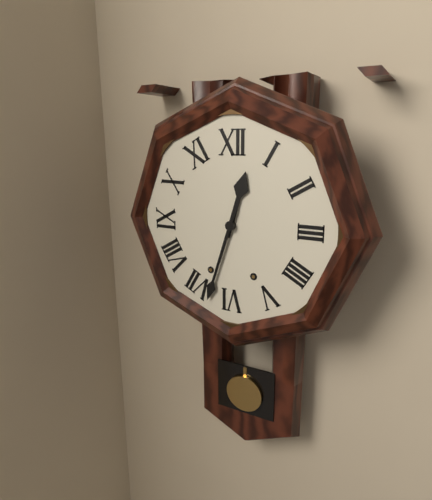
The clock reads 12,33
